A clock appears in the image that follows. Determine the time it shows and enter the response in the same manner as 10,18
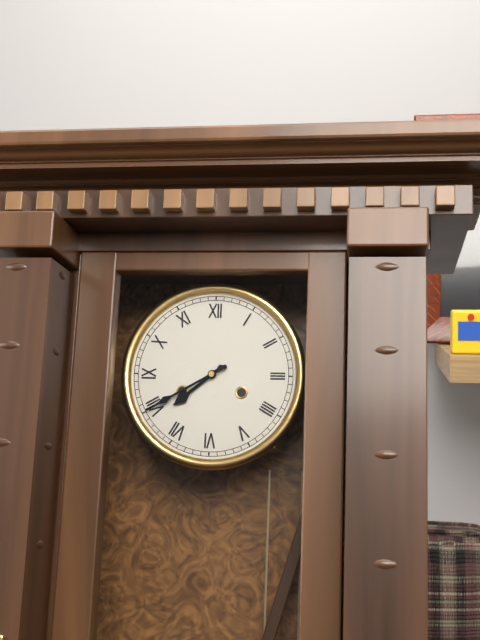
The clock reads 7,40
